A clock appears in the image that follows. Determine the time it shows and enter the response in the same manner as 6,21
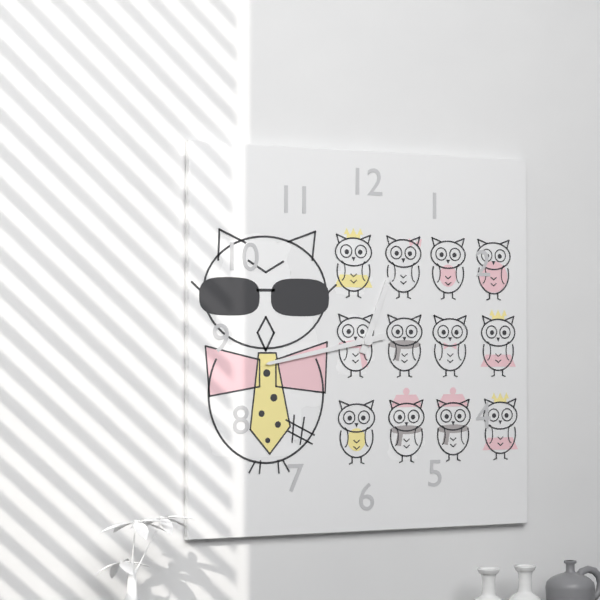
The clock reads 12,43
